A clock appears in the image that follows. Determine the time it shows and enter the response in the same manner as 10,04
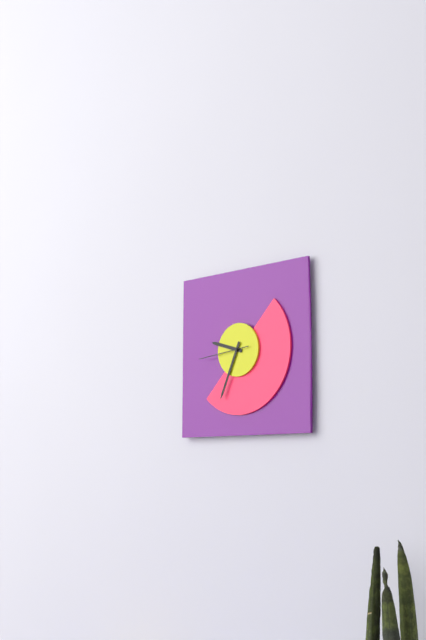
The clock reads 9,34
